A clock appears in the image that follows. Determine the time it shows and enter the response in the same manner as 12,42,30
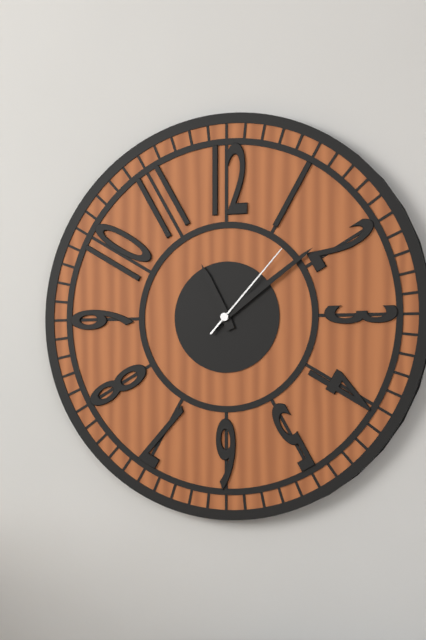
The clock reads 11,09,07
